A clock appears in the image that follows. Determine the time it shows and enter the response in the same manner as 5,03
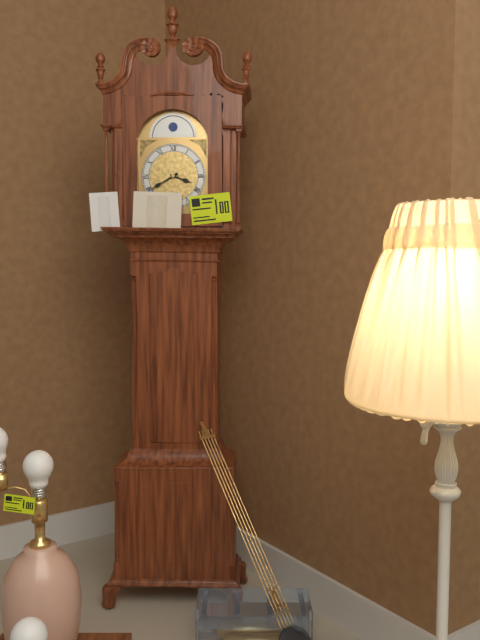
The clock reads 3,40
